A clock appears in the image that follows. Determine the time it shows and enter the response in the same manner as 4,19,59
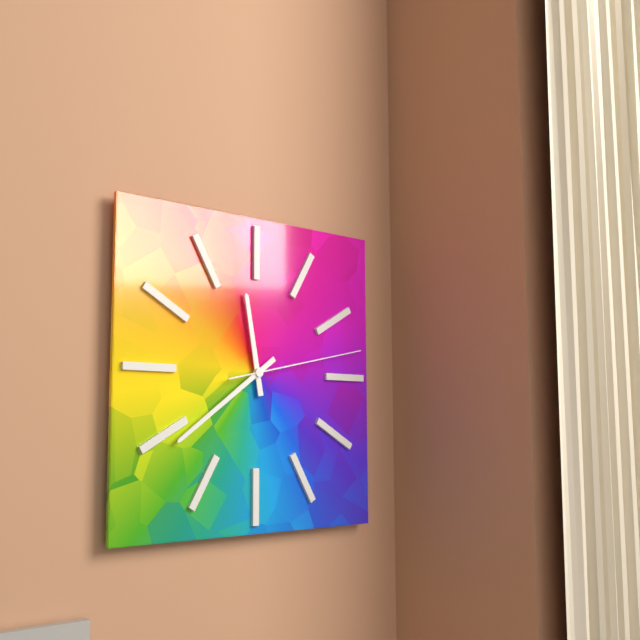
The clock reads 11,39,13
